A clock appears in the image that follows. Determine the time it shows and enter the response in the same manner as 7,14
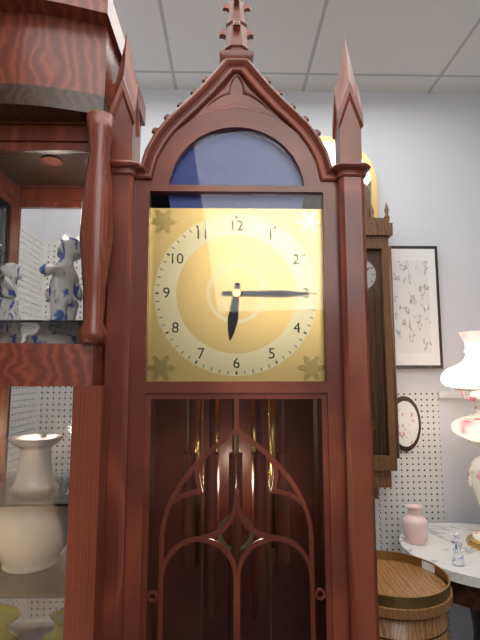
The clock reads 6,15
